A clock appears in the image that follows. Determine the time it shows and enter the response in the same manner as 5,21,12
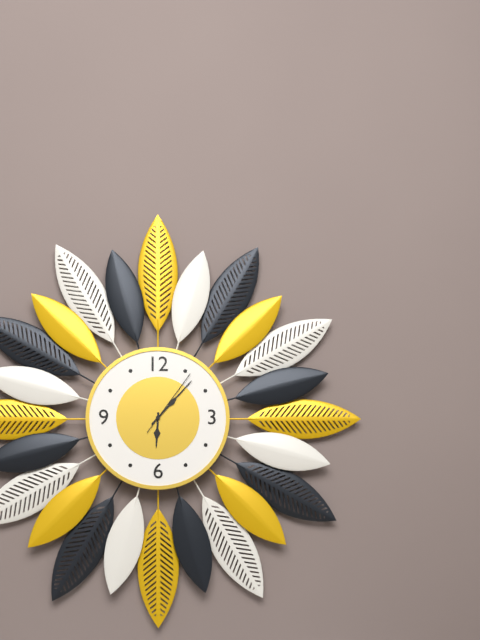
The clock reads 6,07,06
